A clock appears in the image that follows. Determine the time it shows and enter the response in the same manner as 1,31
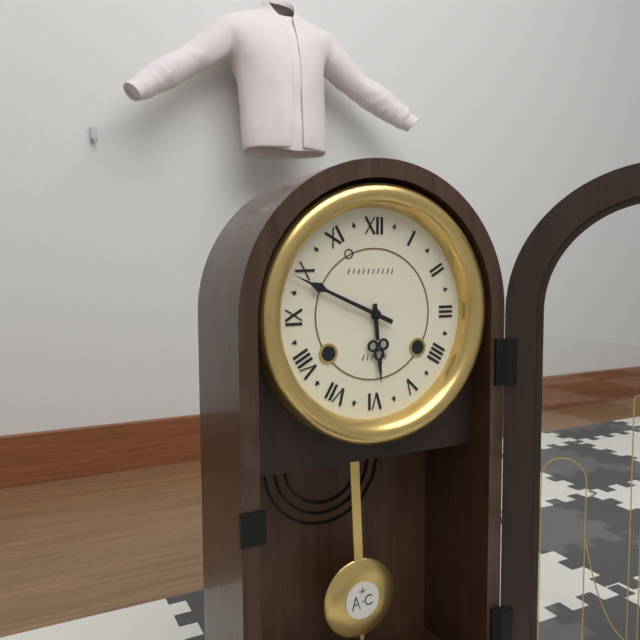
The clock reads 5,49
